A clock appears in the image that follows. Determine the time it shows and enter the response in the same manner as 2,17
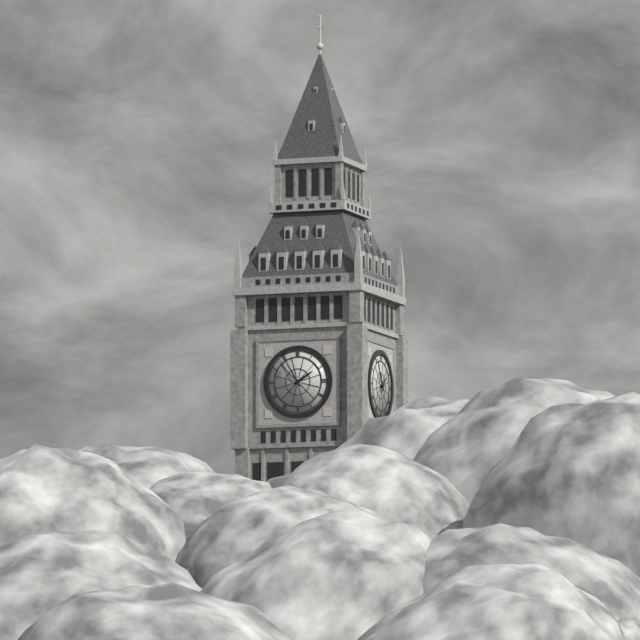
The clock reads 1,55
